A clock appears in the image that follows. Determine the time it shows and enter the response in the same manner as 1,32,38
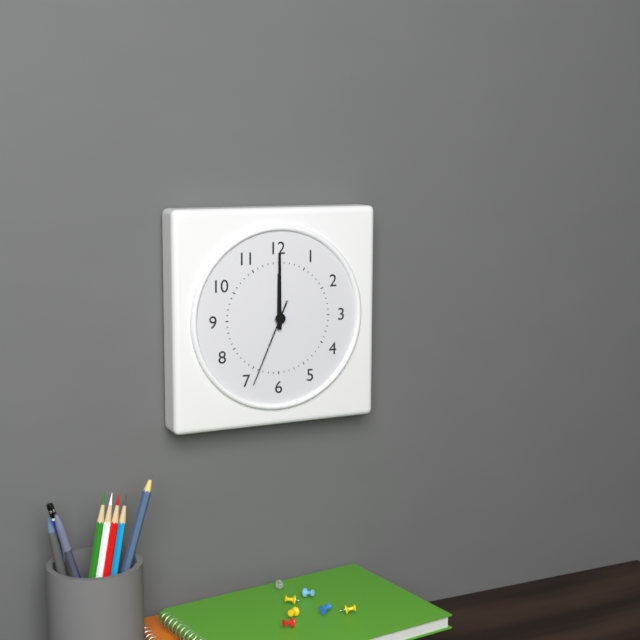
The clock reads 12,00,34
